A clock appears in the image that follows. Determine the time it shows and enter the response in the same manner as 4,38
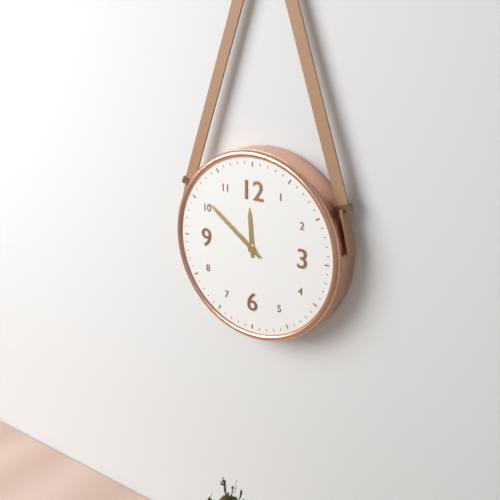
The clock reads 11,51
